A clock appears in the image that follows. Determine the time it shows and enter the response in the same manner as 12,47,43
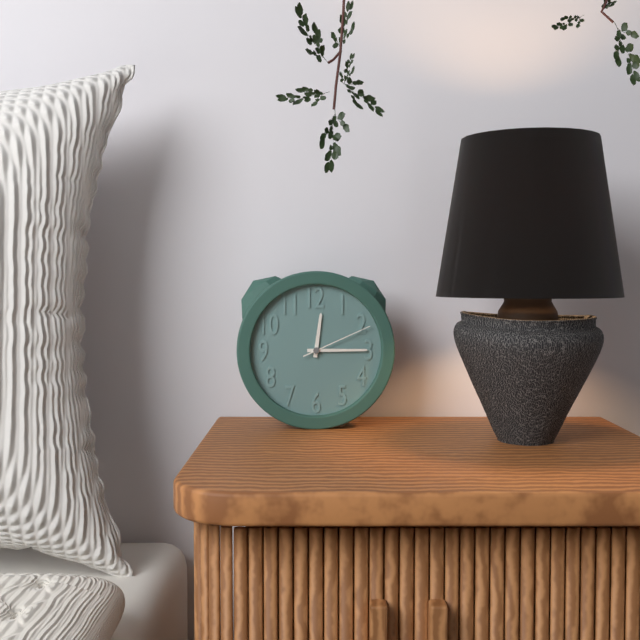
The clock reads 12,15,11
